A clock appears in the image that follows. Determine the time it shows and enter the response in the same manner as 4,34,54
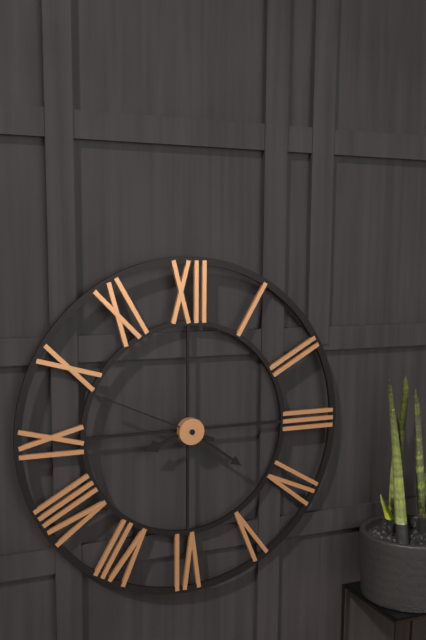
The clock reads 8,21,49
